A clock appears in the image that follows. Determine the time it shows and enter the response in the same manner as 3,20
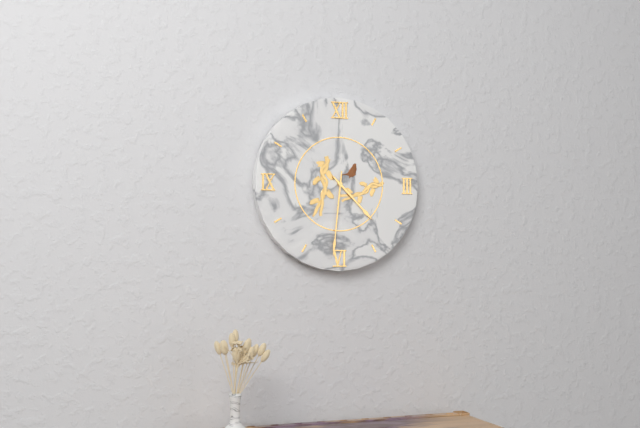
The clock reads 4,31
